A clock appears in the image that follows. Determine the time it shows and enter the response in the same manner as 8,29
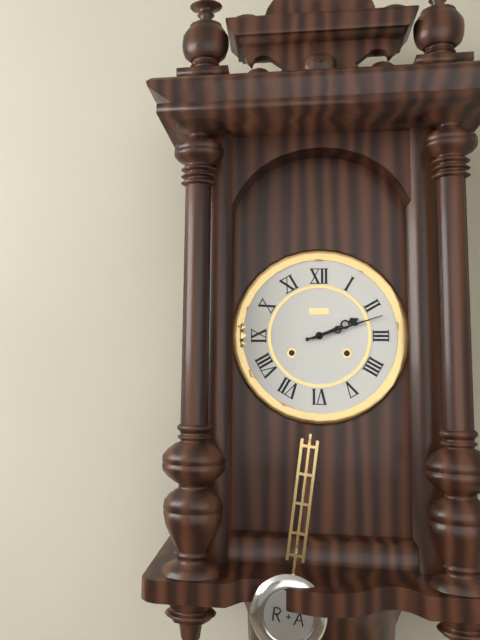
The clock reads 2,12
